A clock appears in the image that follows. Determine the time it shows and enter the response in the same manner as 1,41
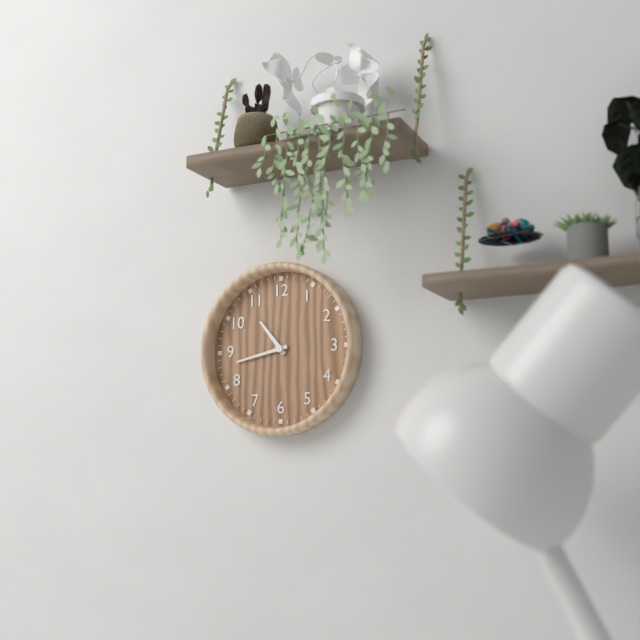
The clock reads 10,43
